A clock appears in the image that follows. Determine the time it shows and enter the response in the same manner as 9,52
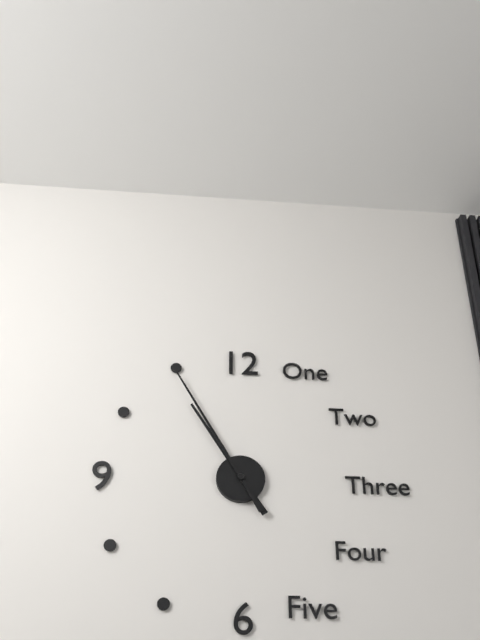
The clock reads 10,55
